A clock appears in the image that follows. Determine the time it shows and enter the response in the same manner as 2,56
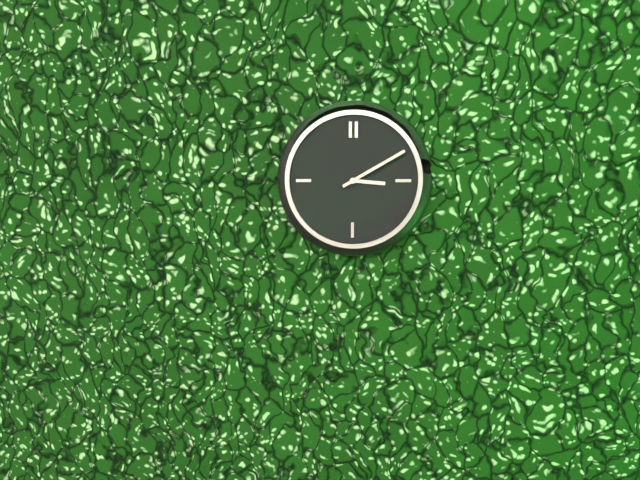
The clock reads 3,10
